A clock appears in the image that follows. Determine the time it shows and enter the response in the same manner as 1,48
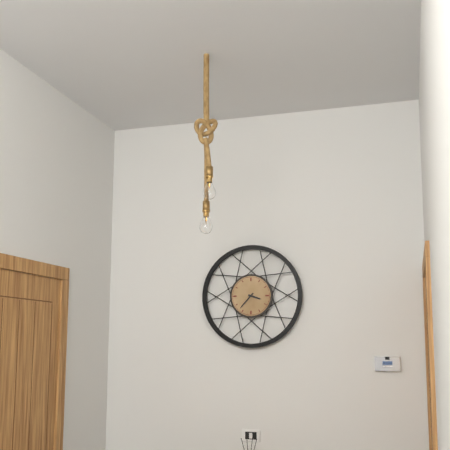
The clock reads 3,37
